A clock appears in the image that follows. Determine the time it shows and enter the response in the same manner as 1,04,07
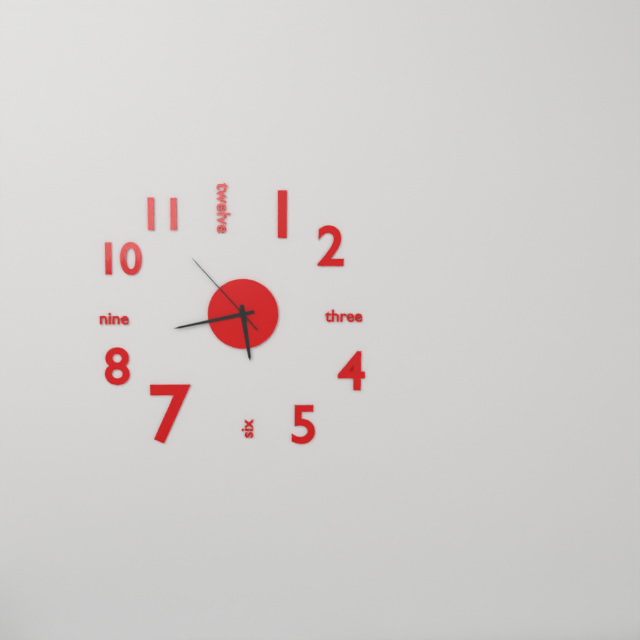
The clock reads 5,43,53
